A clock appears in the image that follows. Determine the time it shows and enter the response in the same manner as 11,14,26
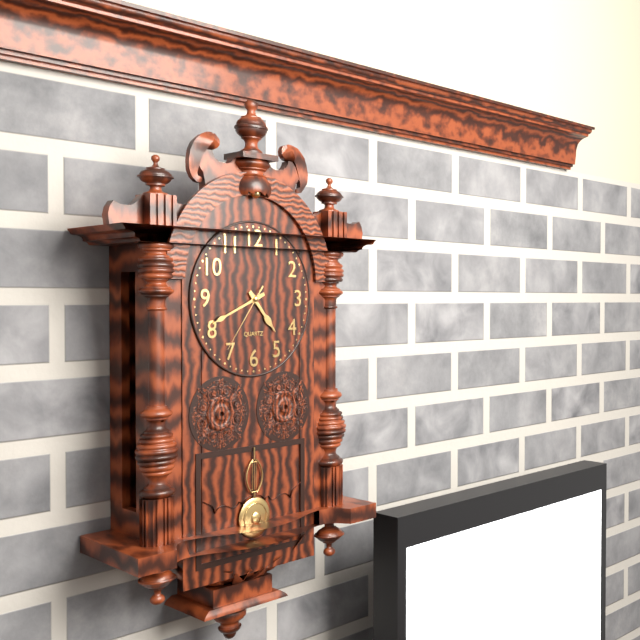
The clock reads 4,41,36
